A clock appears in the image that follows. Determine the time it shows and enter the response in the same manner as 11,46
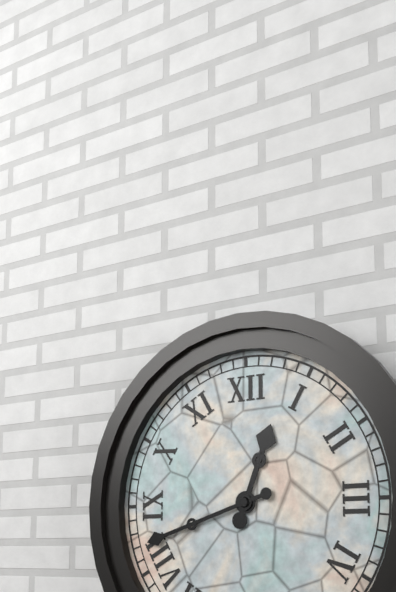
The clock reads 12,42
